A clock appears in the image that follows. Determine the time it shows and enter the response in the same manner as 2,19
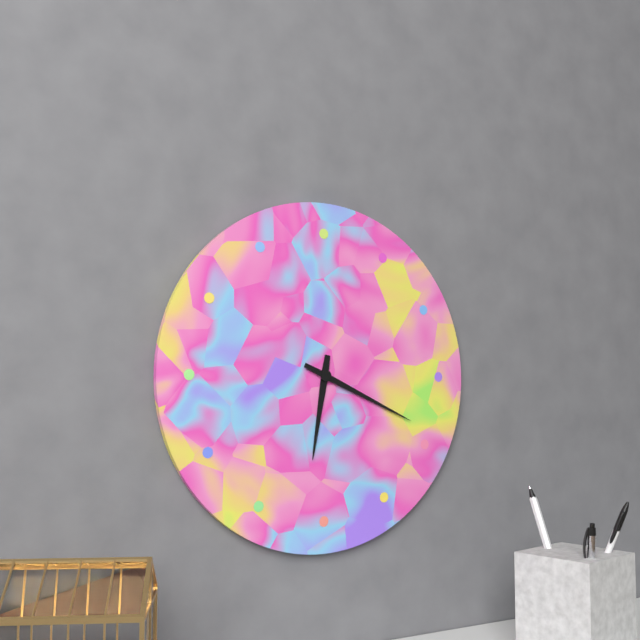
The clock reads 6,19
